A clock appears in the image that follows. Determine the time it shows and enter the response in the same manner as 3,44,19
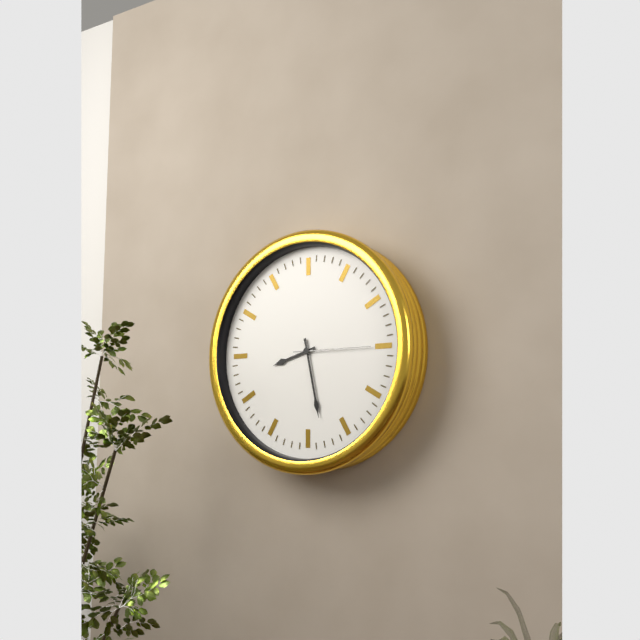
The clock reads 8,28,15
